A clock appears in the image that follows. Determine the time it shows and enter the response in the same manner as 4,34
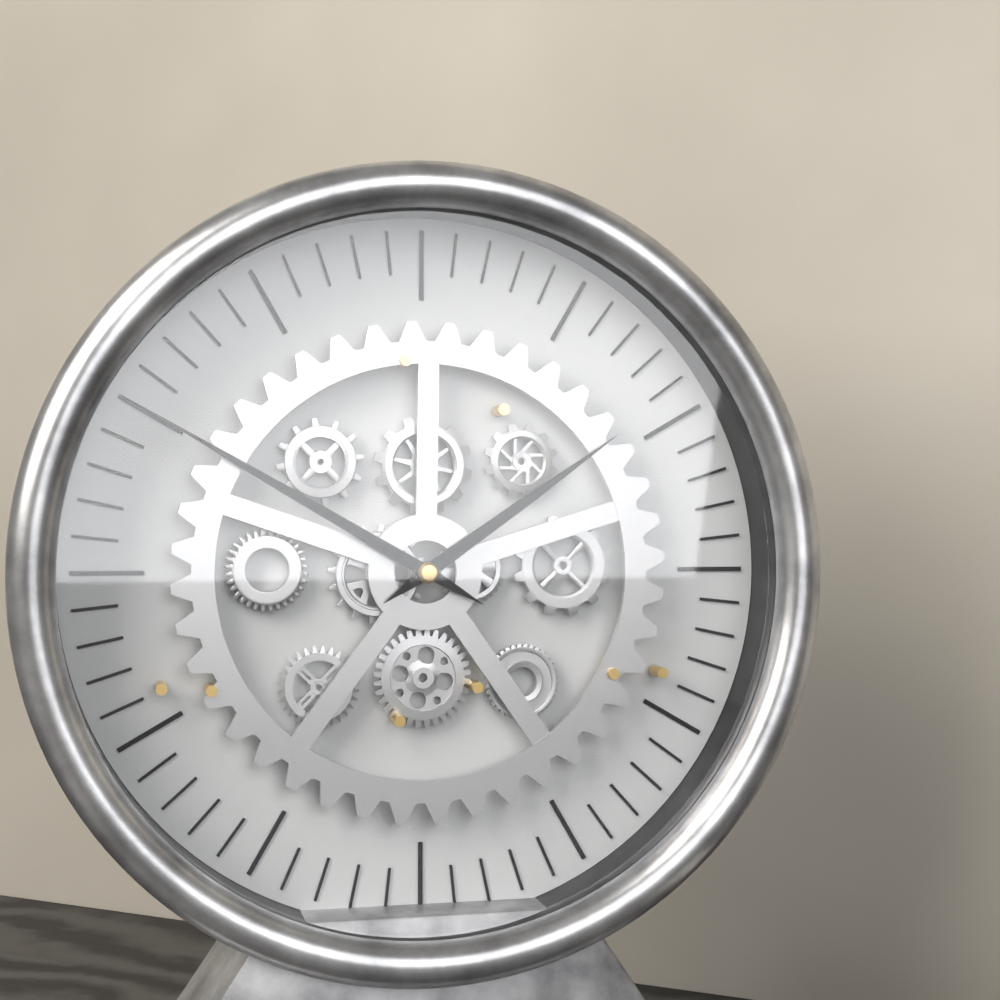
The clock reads 1,50
